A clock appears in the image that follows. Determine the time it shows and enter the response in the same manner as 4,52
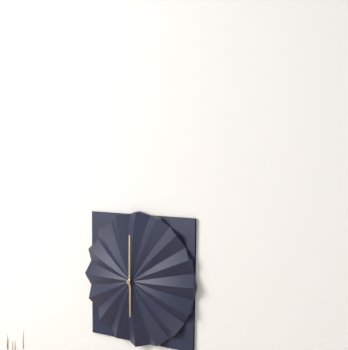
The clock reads 6,00
